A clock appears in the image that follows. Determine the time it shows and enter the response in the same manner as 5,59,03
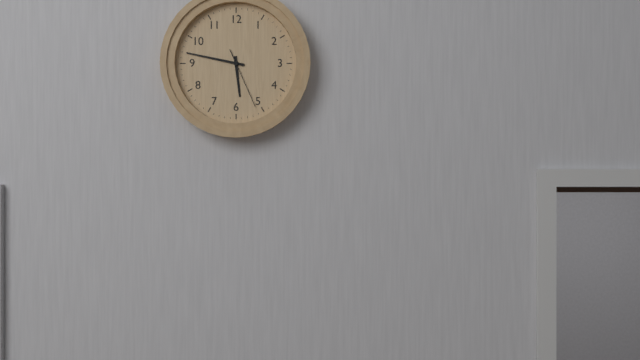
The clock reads 5,47,26
